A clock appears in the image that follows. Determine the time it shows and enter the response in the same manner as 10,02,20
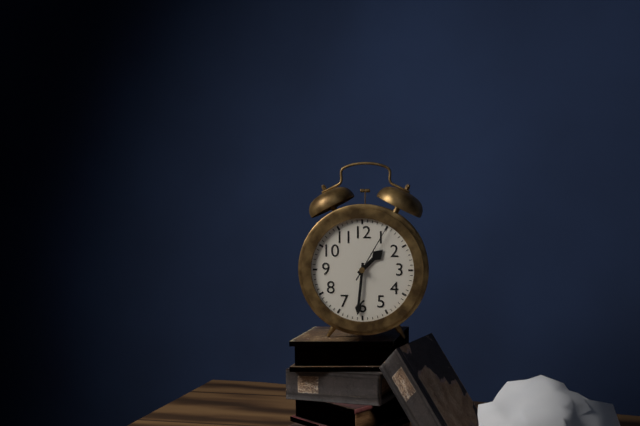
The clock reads 1,31,05
